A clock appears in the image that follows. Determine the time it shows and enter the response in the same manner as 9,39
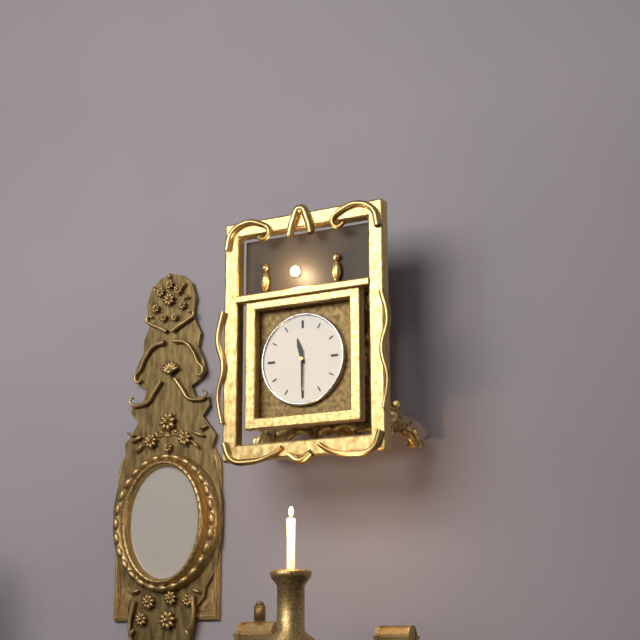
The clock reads 11,30
